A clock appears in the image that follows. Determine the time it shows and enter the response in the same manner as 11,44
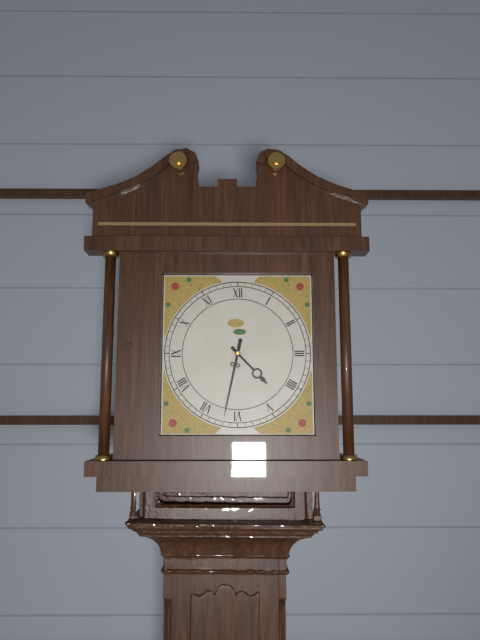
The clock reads 4,32
